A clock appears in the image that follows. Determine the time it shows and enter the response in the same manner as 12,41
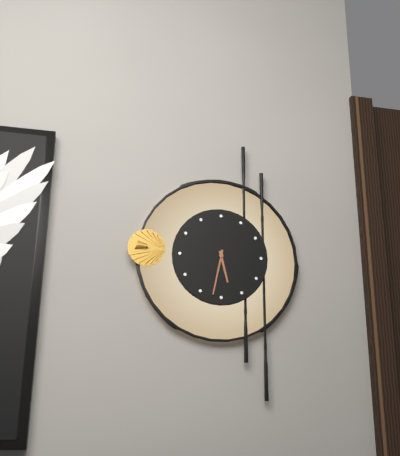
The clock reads 5,32
